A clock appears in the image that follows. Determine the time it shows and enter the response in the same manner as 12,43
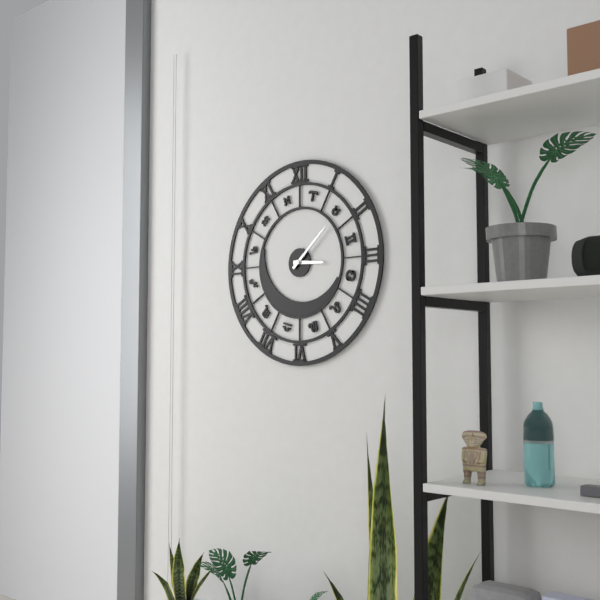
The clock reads 3,08
